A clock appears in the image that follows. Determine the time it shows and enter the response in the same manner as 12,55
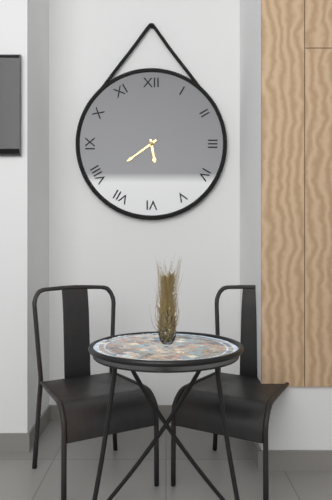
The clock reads 5,39
